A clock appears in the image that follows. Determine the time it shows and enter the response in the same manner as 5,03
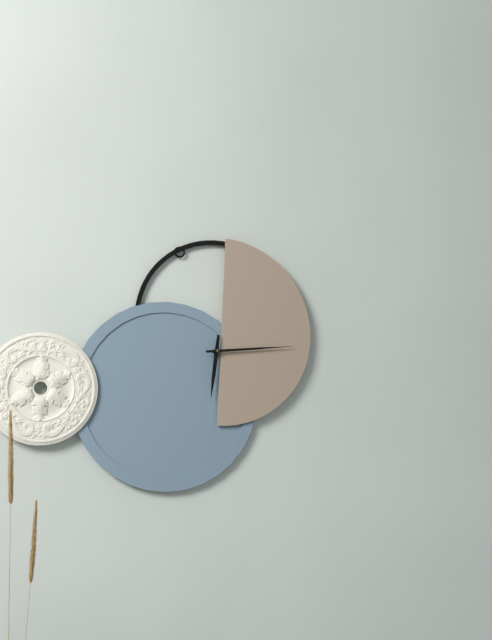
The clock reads 6,14
